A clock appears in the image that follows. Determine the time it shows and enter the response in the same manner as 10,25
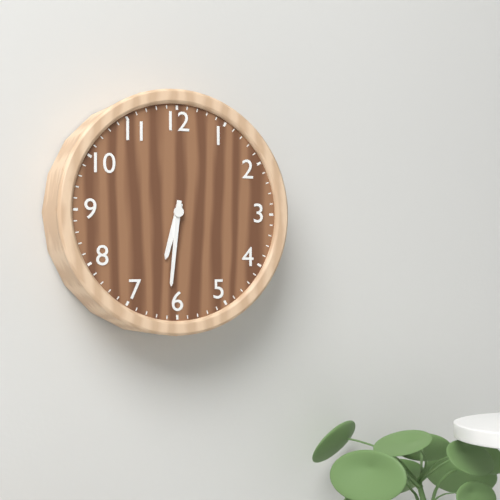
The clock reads 6,31
